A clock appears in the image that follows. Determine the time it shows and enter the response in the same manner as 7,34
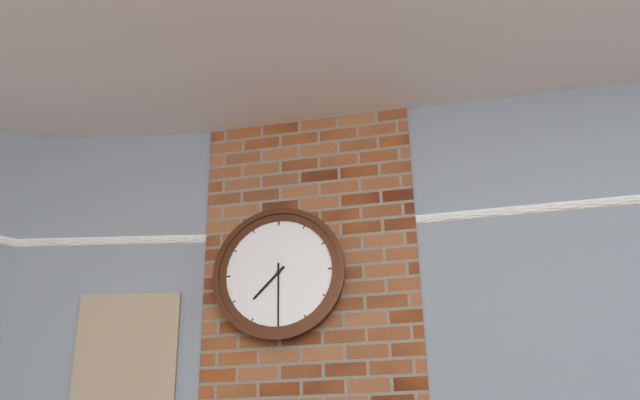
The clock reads 7,30
